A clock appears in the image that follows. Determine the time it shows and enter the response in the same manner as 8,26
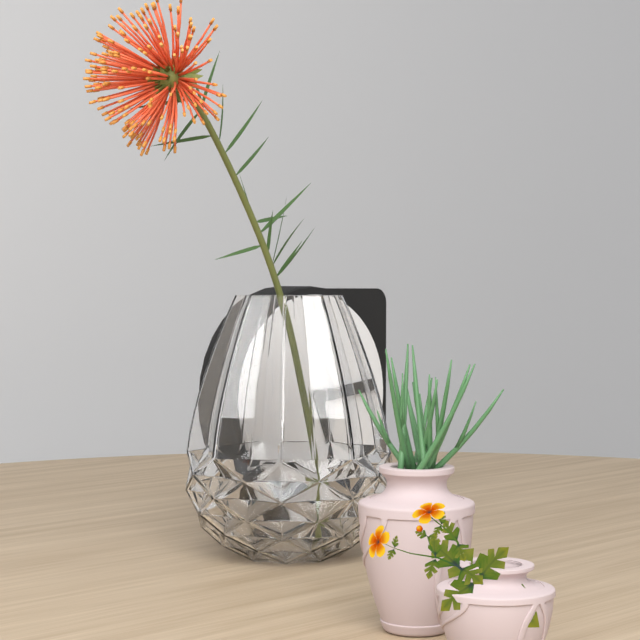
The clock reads 5,14
